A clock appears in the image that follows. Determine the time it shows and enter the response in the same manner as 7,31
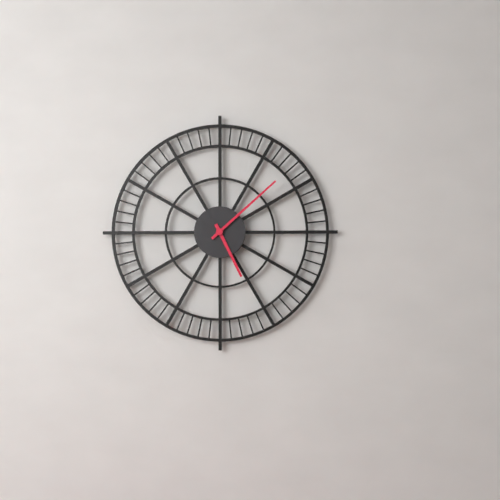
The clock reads 5,08
